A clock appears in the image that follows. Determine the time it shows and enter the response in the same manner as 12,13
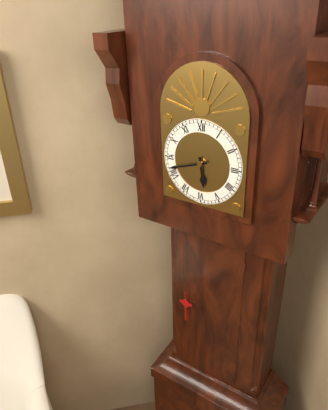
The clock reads 5,42
